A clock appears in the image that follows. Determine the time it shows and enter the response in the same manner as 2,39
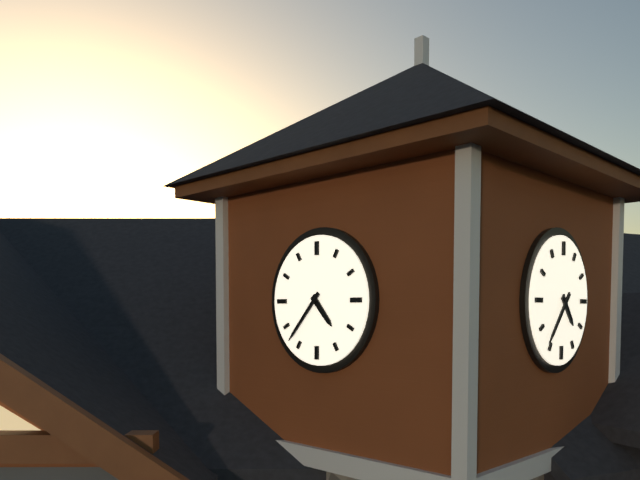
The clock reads 4,37
